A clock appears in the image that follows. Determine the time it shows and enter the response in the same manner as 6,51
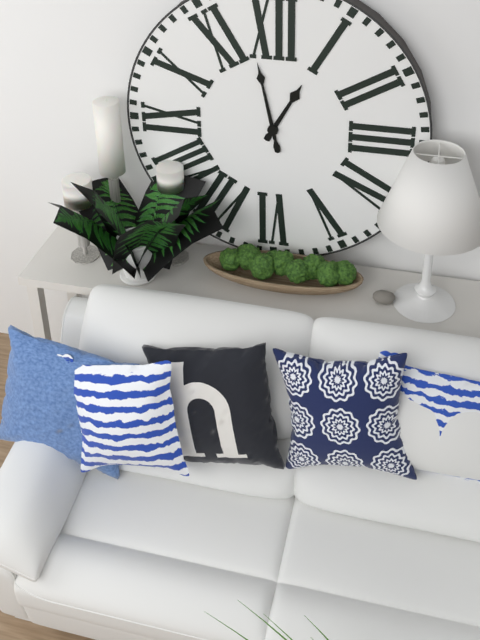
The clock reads 12,58
